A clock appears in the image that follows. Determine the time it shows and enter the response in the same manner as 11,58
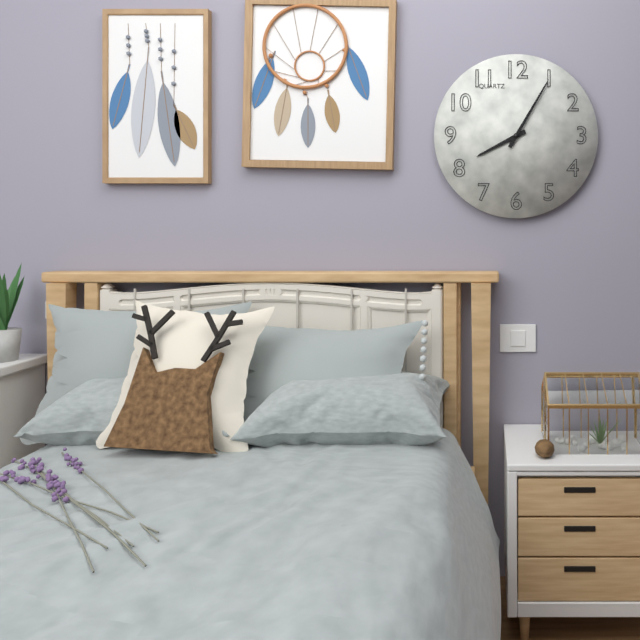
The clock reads 8,05
